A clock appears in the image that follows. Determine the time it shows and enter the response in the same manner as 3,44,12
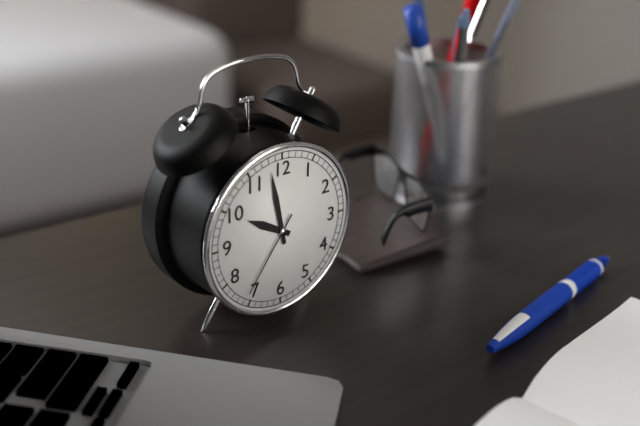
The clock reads 9,58,36
